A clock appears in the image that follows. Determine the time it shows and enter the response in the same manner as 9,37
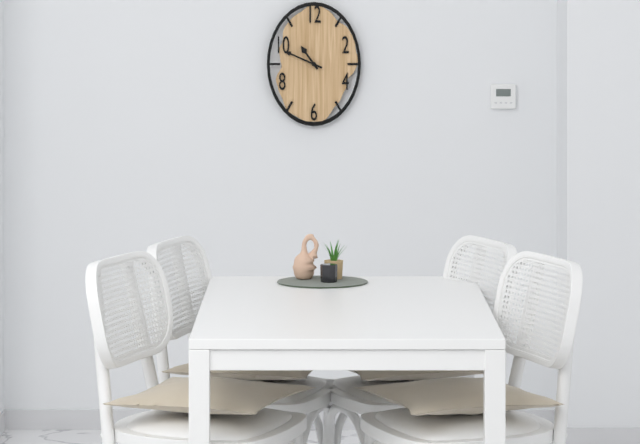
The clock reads 10,49
